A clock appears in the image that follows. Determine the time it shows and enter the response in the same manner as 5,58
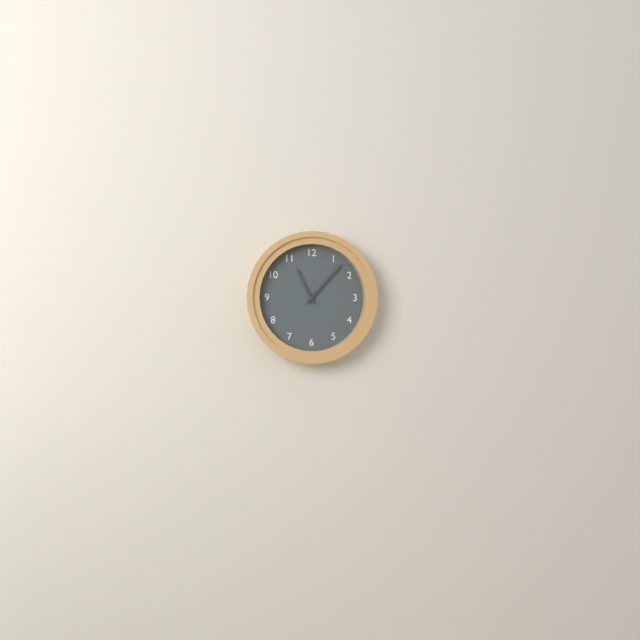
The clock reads 11,07
